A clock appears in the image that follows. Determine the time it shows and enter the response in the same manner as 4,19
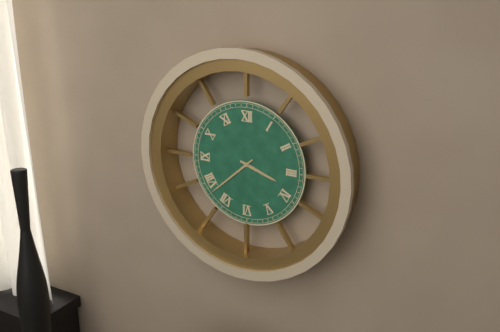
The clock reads 3,38
